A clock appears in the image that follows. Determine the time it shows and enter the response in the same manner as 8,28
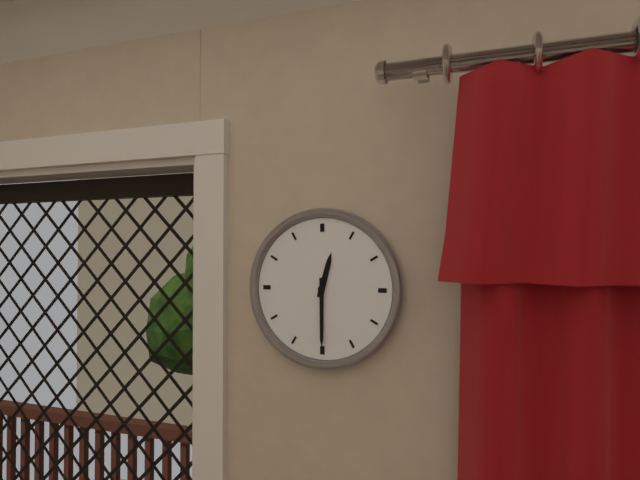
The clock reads 12,30
